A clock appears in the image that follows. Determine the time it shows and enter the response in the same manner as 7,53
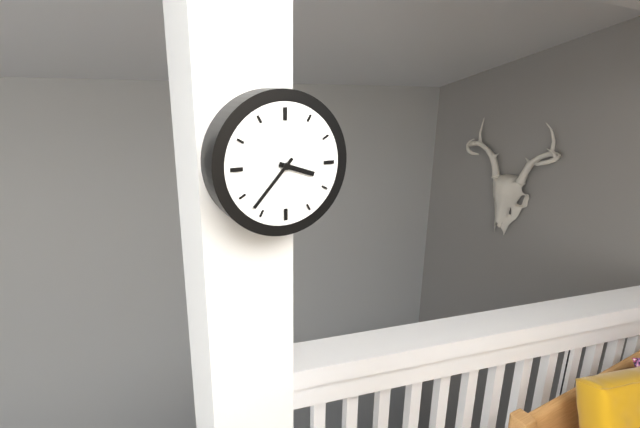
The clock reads 3,37
